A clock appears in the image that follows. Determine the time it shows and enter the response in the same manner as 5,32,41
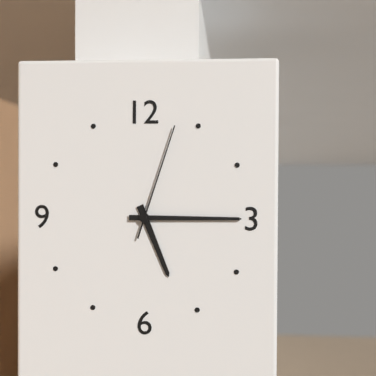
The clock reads 5,15,03
